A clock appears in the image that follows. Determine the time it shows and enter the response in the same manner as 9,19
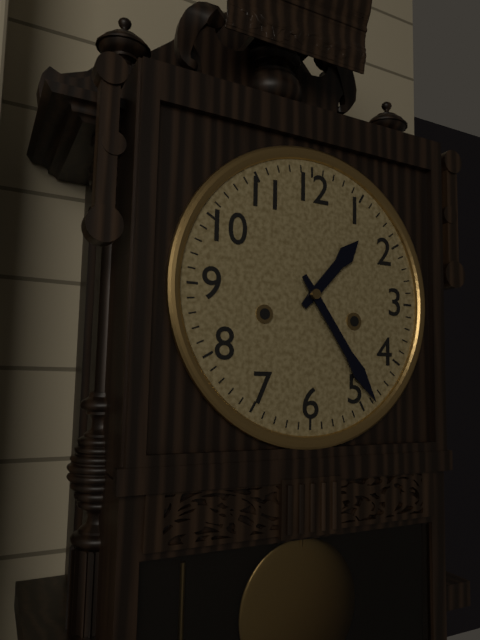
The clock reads 1,24
